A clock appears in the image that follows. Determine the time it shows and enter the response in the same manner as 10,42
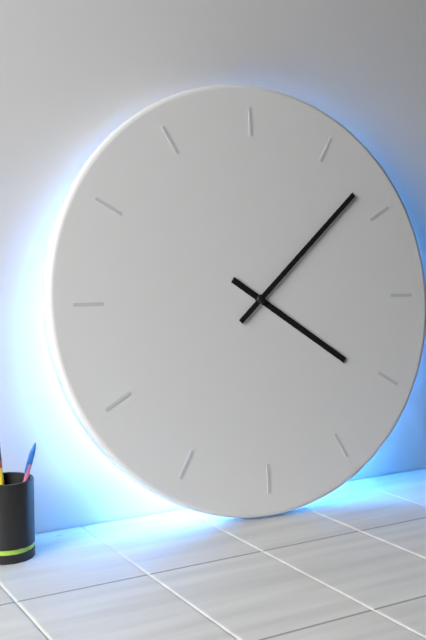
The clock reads 4,08
